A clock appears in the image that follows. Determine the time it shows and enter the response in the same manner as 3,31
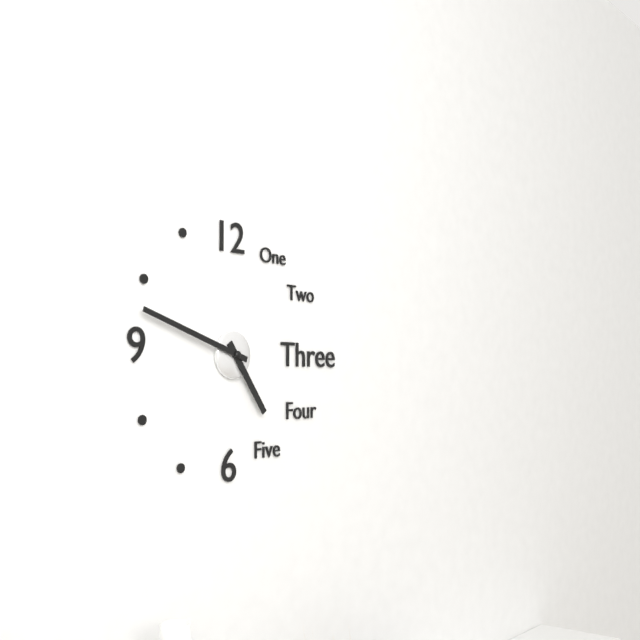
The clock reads 4,48
